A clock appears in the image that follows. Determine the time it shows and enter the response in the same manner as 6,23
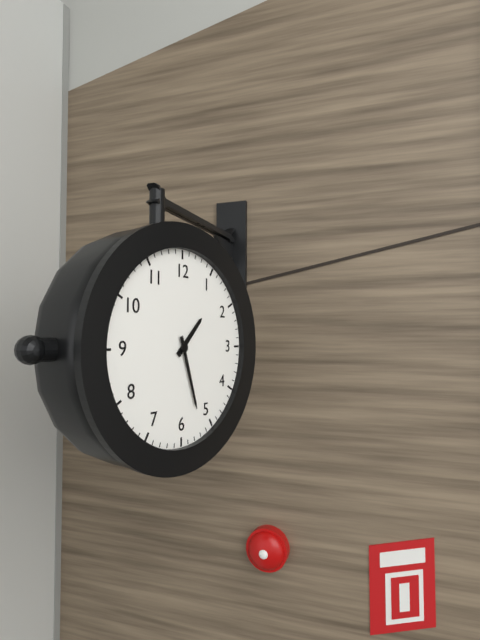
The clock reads 1,27
